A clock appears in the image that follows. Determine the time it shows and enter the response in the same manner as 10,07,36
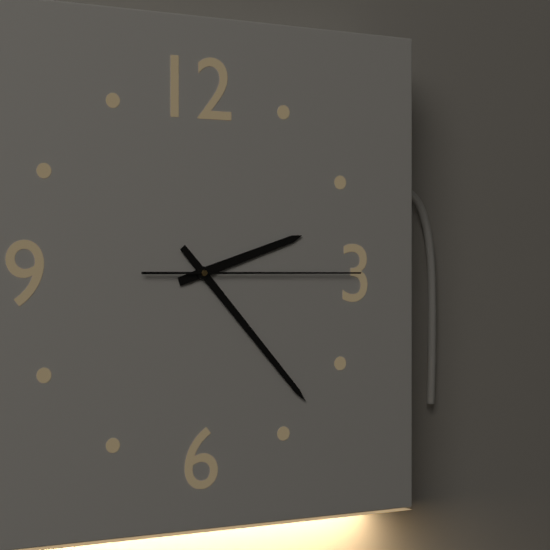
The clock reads 2,23,15
